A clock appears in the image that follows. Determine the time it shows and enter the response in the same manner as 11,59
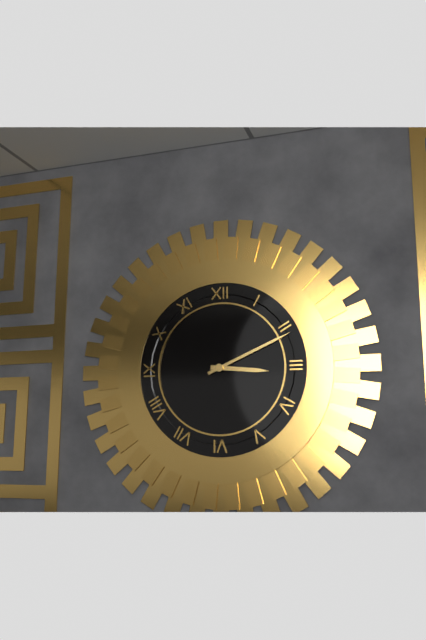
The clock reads 3,11
